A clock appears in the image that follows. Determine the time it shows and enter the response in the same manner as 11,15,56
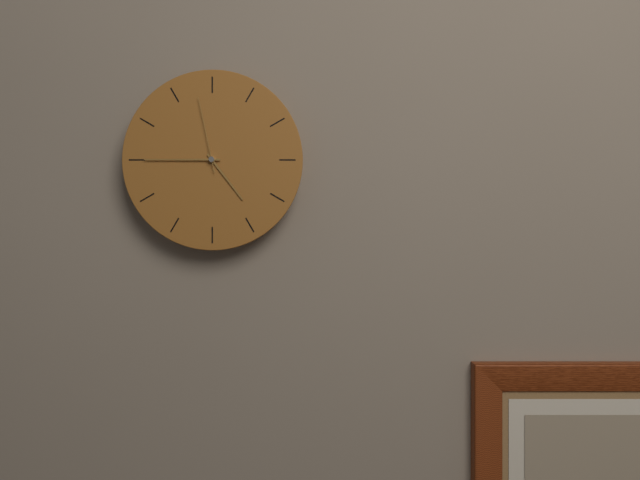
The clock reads 4,45,58
